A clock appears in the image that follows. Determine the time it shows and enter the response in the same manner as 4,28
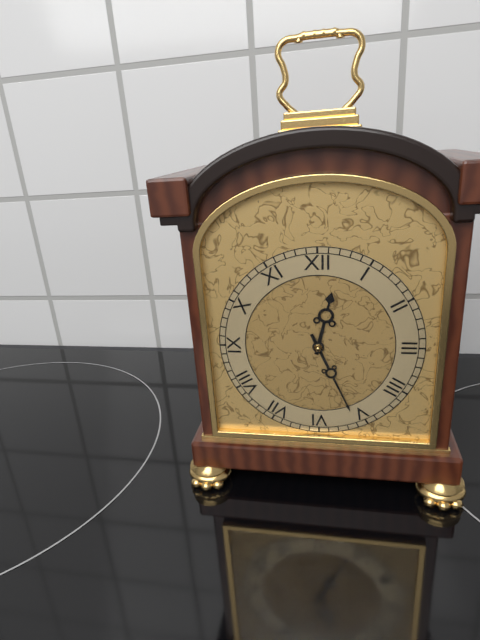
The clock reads 12,26
